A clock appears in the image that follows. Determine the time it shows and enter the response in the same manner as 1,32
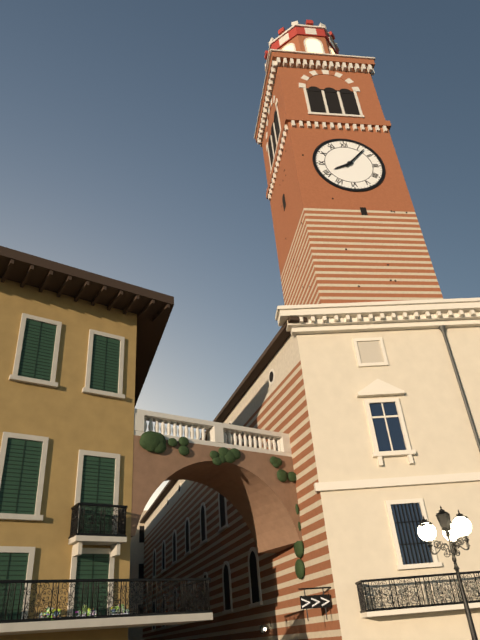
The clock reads 8,07
